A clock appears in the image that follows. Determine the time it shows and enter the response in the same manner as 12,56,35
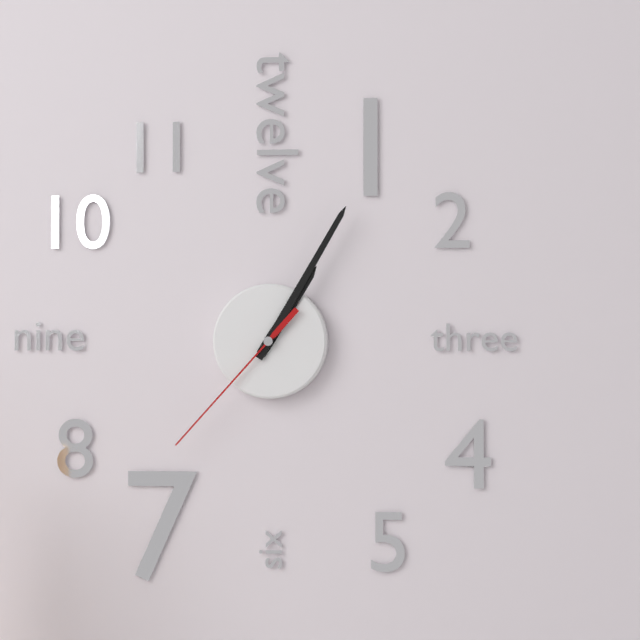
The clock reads 1,05,37
